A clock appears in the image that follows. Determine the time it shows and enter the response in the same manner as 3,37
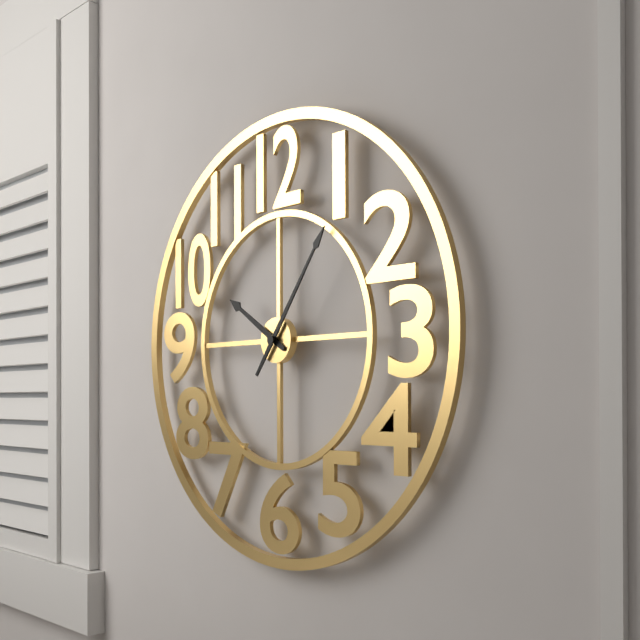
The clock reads 10,06
